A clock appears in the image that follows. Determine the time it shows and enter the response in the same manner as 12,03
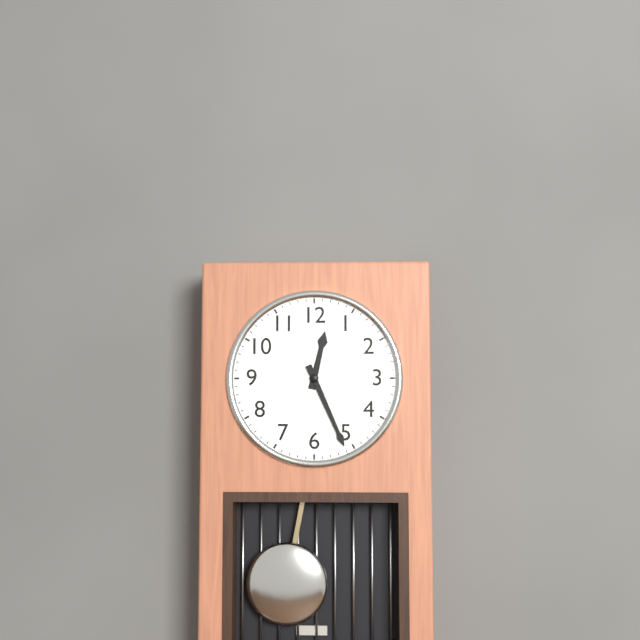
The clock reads 12,26
